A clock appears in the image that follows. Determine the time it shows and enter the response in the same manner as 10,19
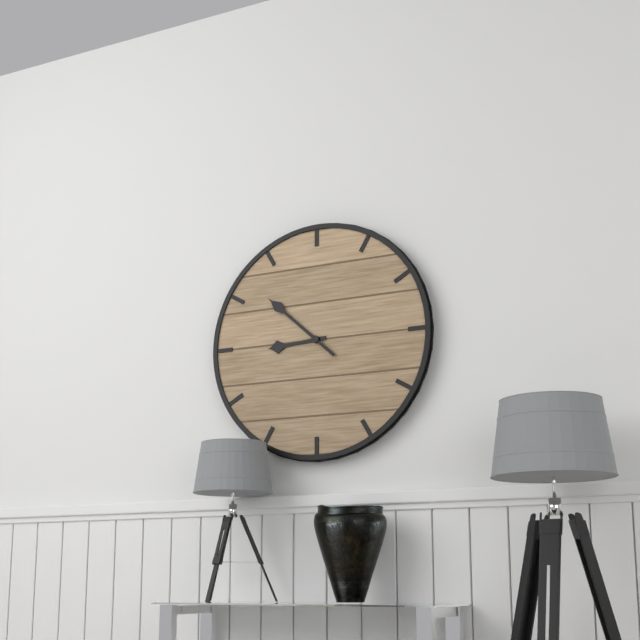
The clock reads 8,52
